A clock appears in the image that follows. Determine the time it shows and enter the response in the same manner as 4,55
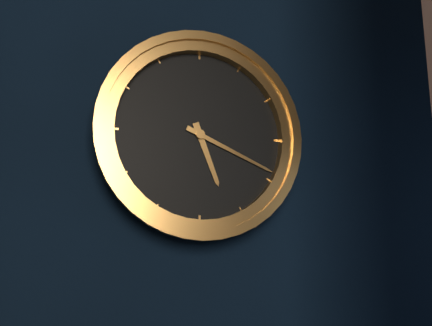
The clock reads 5,19
